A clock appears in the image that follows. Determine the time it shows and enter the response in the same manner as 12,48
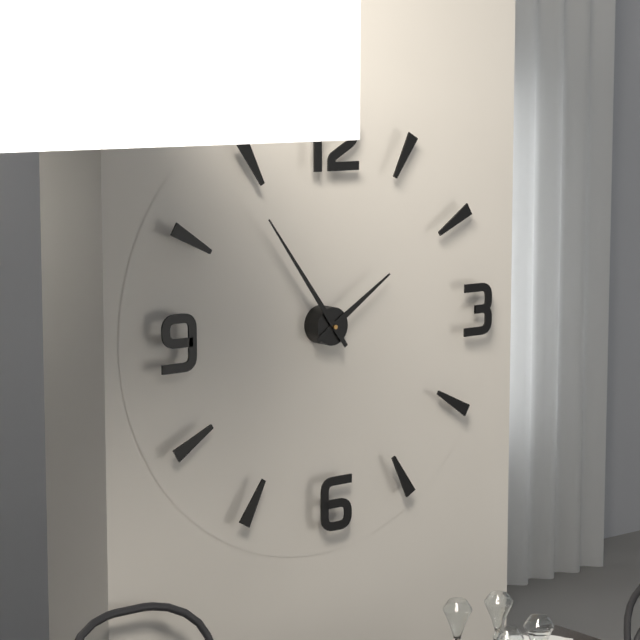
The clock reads 1,54
